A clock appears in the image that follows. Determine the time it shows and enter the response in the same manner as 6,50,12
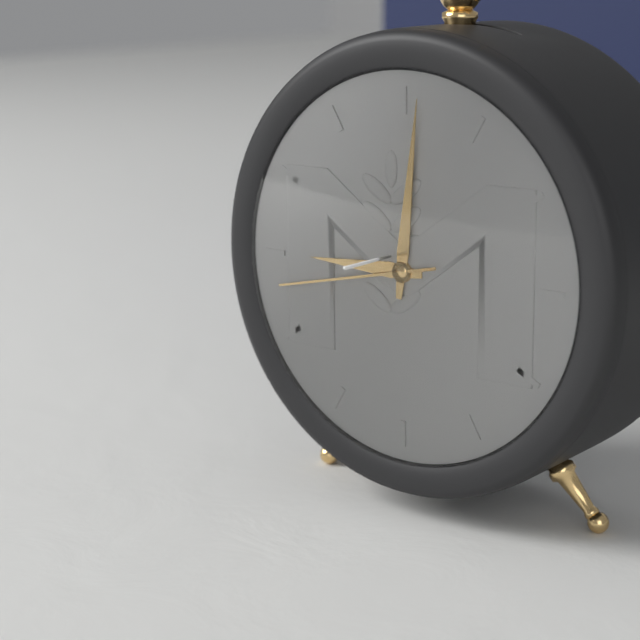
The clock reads 9,01,43
